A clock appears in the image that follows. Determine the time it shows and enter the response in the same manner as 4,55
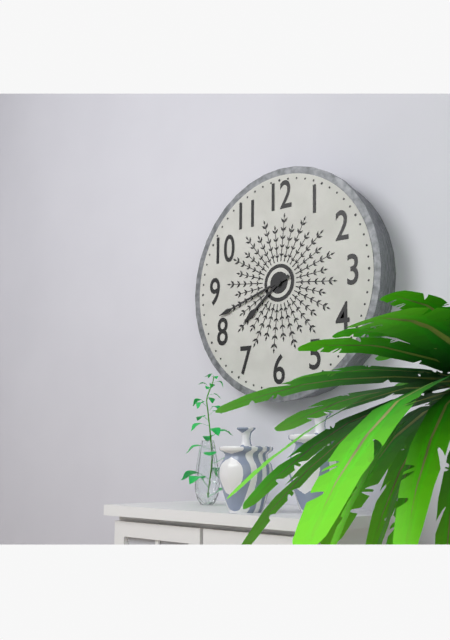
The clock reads 7,42
